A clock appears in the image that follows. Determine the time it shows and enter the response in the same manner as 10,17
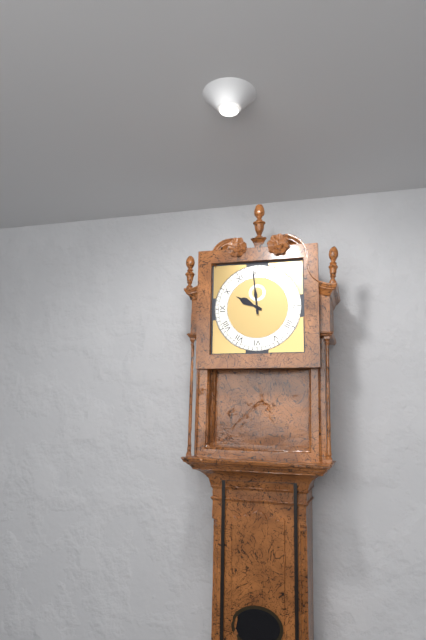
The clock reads 9,59
